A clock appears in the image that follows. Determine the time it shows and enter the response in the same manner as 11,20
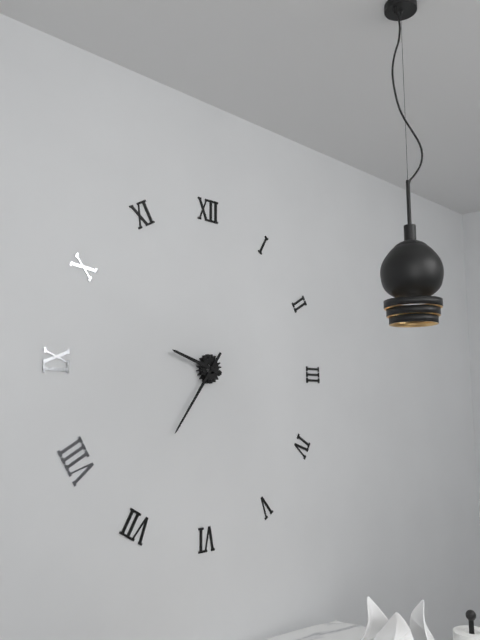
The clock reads 9,36
